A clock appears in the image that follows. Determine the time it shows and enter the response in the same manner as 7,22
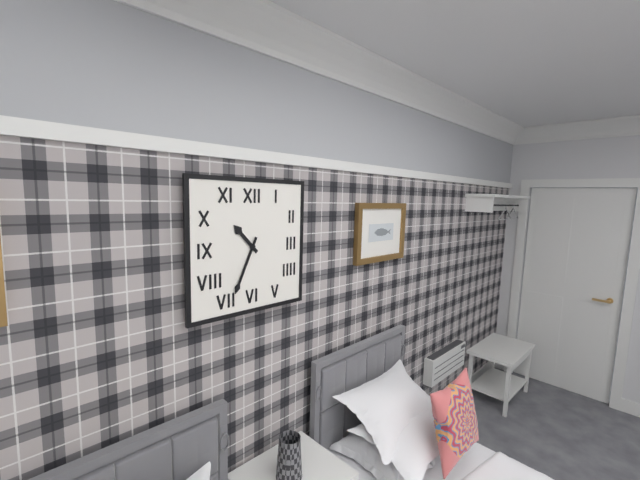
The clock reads 10,34
